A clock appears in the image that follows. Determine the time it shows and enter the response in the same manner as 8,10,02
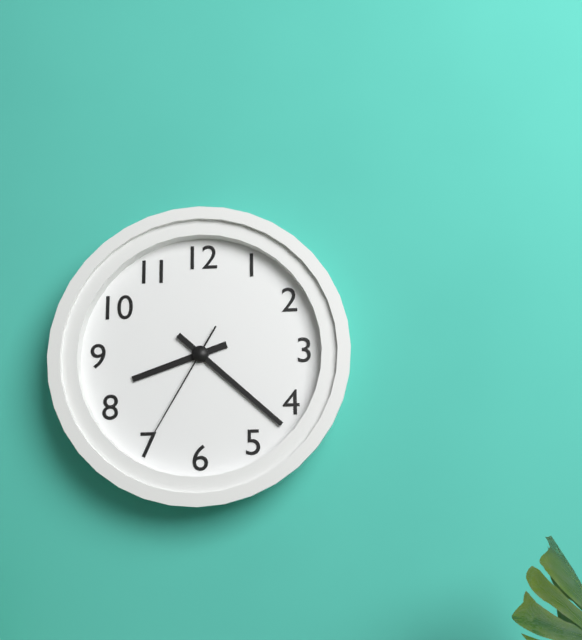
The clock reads 8,22,35
